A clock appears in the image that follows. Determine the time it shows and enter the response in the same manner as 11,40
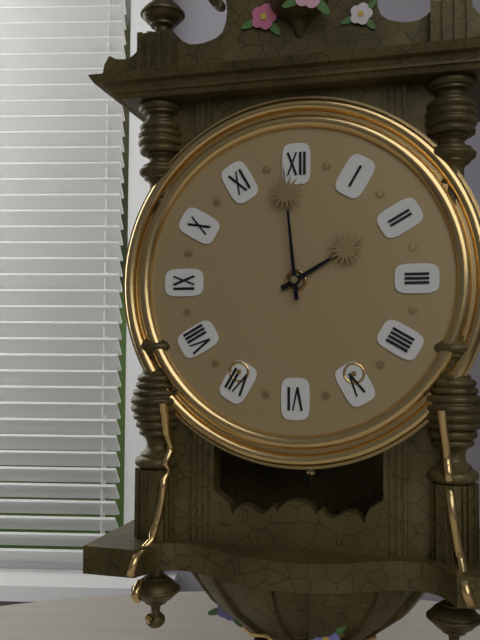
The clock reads 1,59
